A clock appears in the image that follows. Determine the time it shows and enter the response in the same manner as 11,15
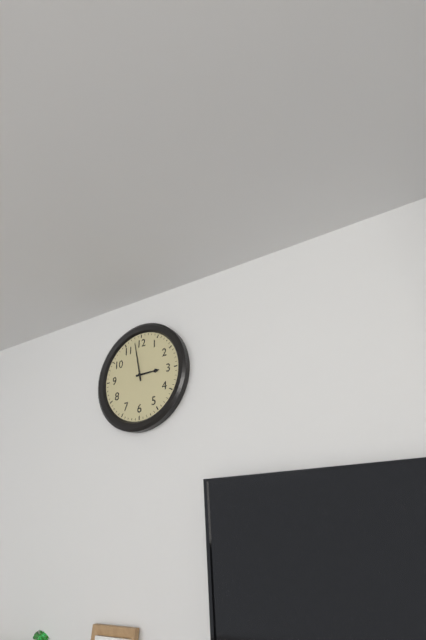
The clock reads 2,58
